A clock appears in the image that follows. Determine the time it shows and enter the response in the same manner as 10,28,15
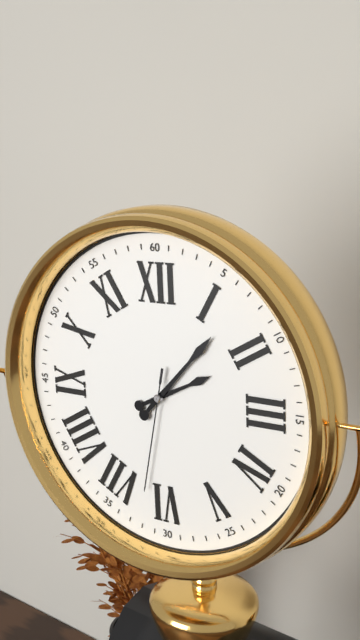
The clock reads 2,07,32
